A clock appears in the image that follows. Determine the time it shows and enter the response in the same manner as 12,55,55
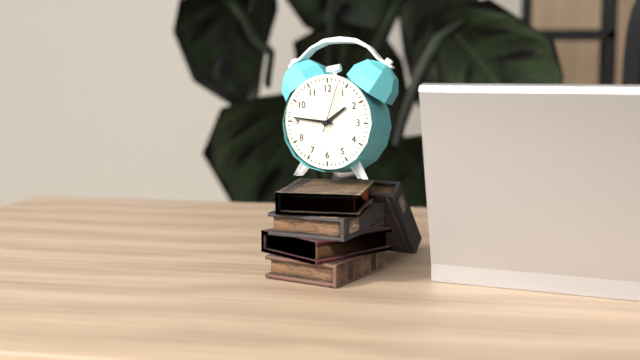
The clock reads 1,46,03
